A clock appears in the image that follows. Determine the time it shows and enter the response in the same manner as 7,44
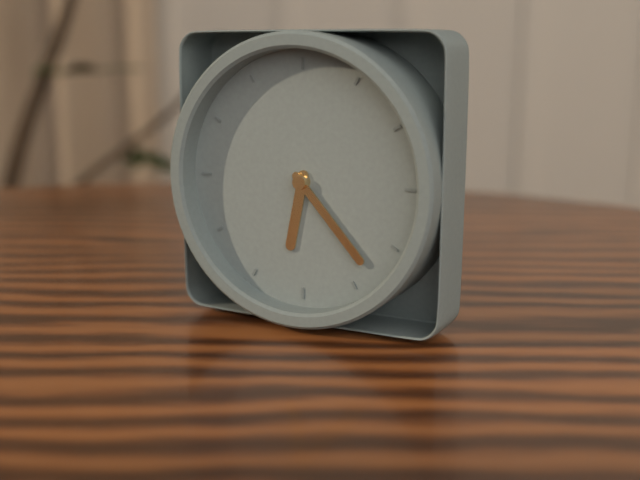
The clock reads 6,23
